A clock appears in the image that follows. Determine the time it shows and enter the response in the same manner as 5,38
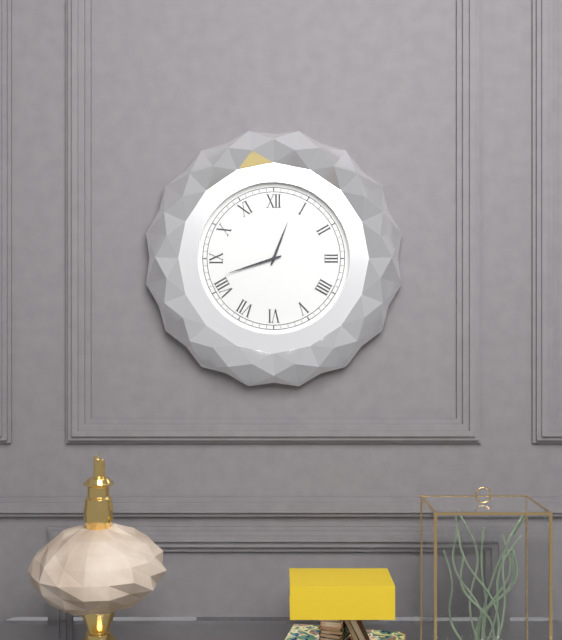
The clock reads 12,42
